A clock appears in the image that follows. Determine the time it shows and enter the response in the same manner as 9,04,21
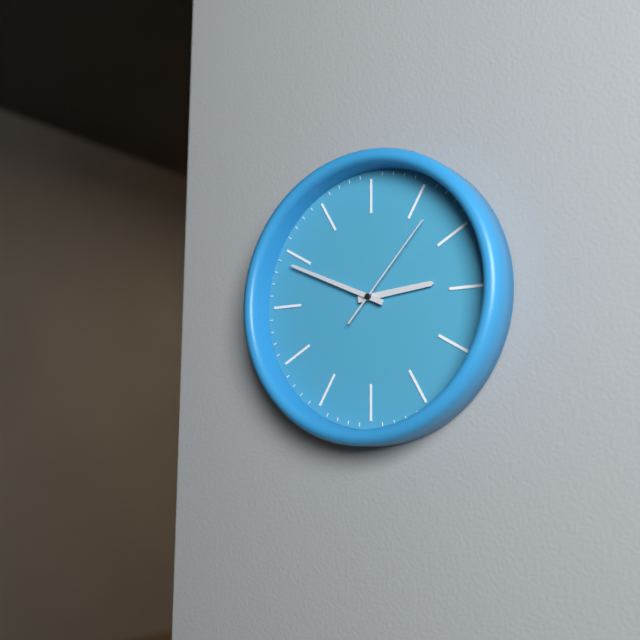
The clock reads 2,49,07
